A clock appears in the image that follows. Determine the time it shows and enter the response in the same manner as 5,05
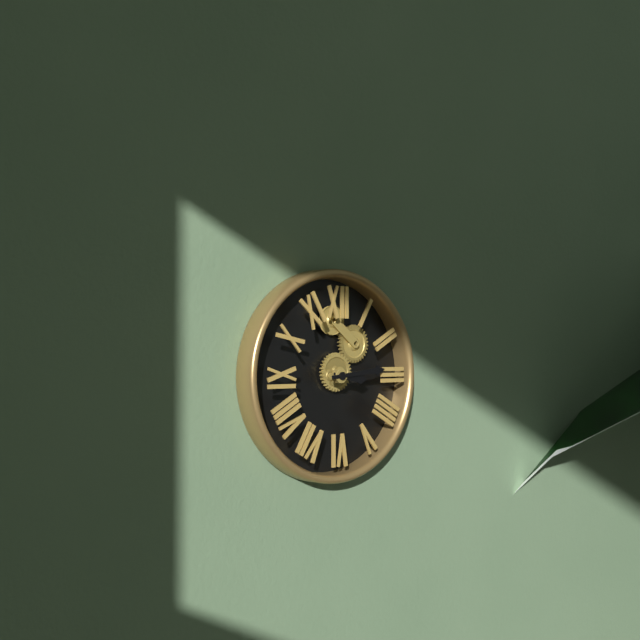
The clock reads 3,14
